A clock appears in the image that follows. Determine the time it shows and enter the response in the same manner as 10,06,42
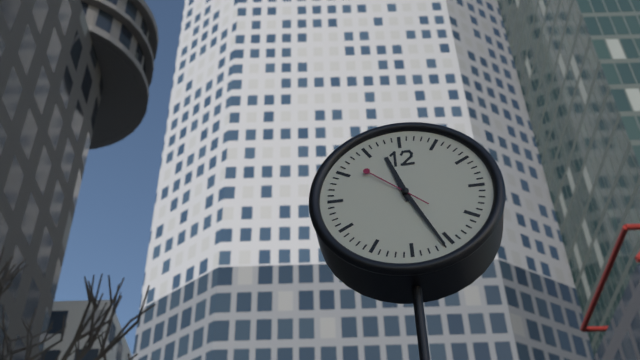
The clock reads 11,26,52
